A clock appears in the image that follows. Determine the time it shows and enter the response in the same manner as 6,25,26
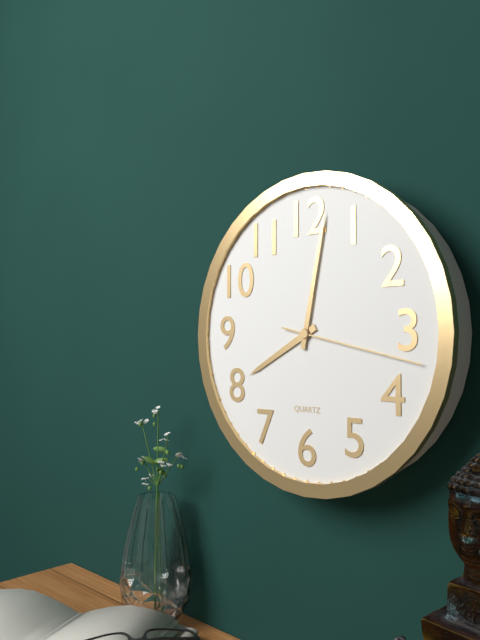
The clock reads 8,02,17
